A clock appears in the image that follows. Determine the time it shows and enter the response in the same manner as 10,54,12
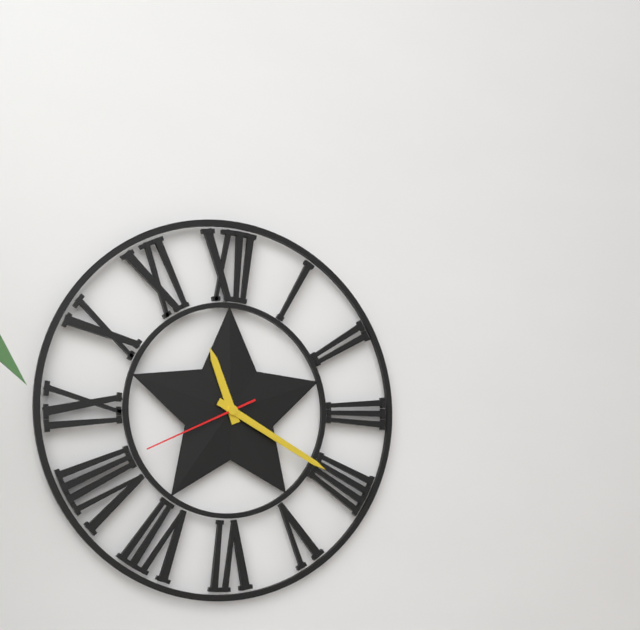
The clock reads 11,20,41
